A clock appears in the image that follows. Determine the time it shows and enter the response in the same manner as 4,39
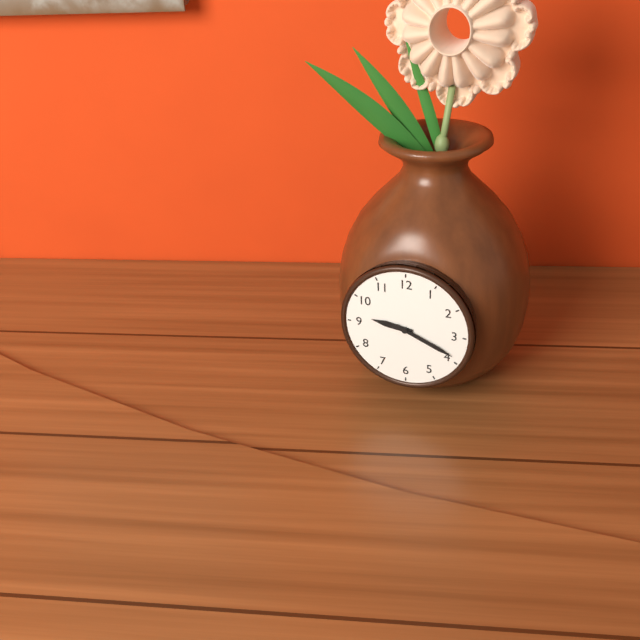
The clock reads 9,19
